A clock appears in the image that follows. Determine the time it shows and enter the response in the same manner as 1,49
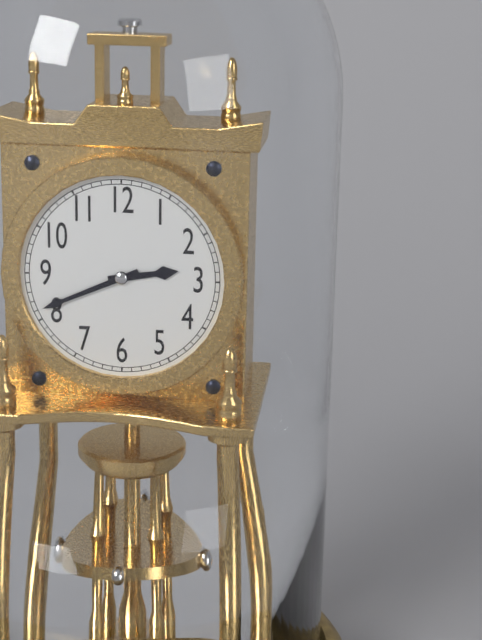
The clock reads 2,41
